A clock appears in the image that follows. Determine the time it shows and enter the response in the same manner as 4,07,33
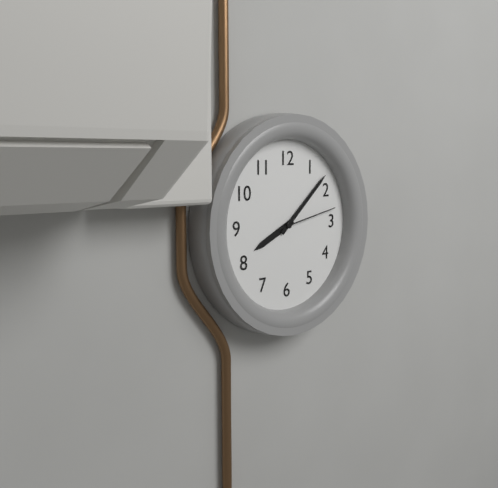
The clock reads 8,08,13
